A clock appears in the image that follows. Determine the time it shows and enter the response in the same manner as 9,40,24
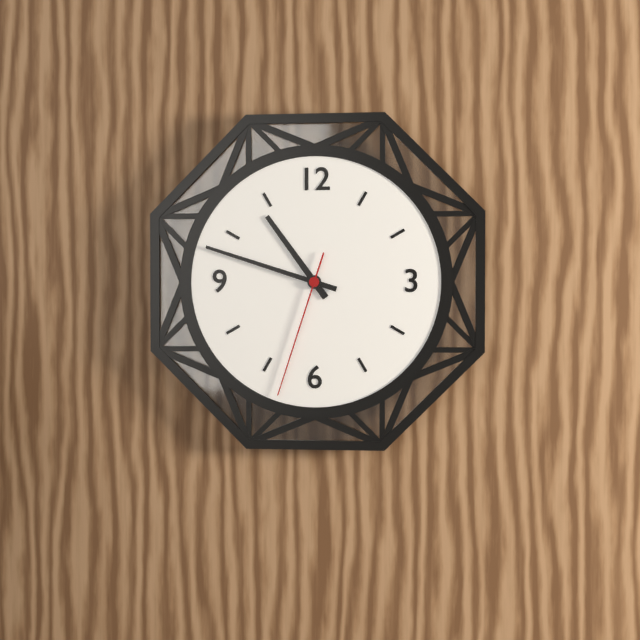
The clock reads 10,48,33
